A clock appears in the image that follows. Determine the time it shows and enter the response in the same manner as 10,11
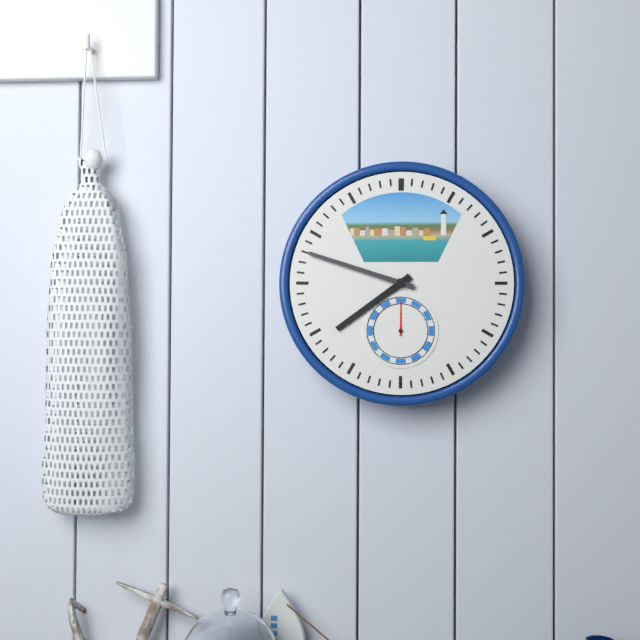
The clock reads 7,48
